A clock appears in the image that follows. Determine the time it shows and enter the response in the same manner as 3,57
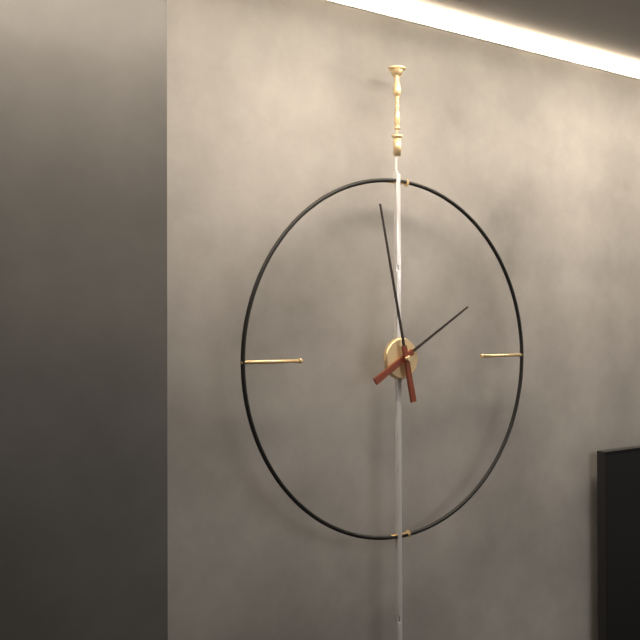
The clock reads 1,58
